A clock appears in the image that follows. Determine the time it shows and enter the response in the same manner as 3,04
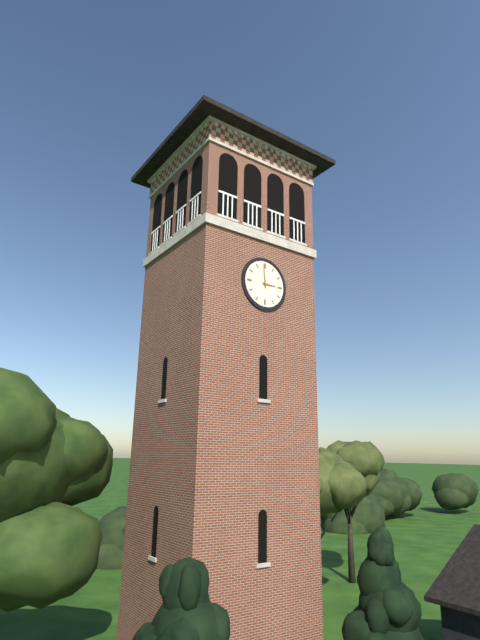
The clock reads 2,59
